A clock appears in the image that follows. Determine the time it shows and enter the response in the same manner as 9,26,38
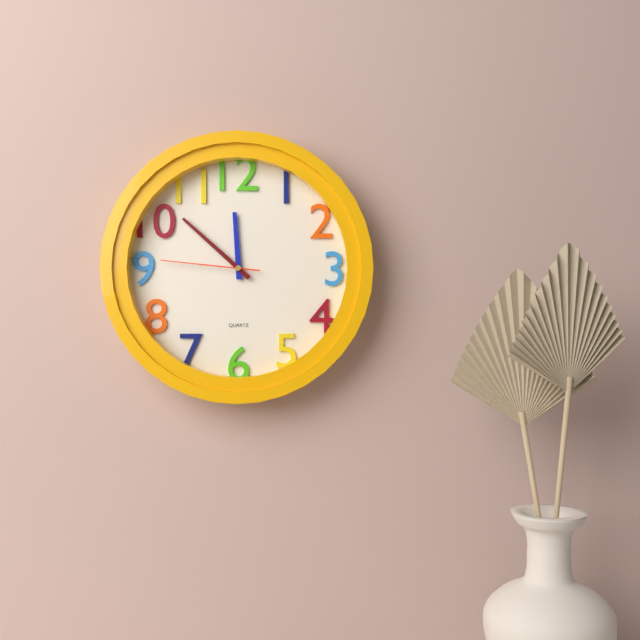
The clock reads 11,52,46
